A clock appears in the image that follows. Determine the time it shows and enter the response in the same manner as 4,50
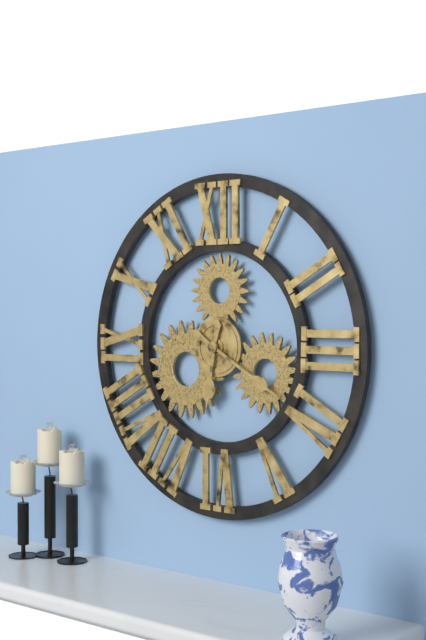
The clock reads 6,20
